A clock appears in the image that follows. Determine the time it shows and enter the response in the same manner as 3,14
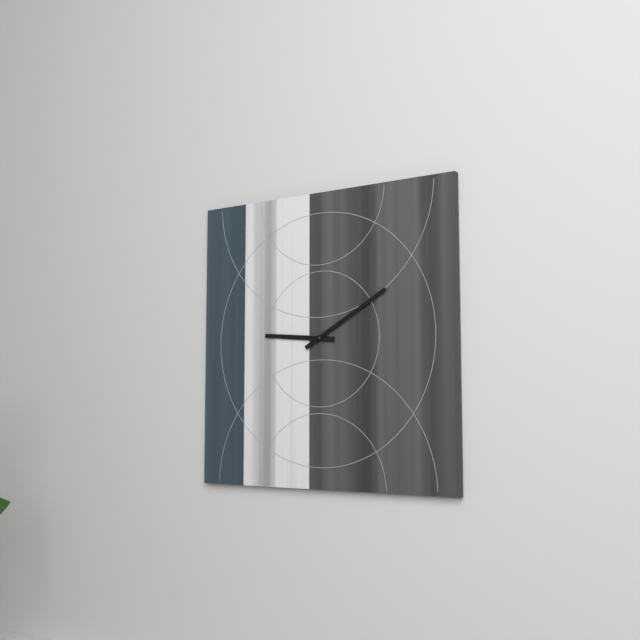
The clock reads 9,10
